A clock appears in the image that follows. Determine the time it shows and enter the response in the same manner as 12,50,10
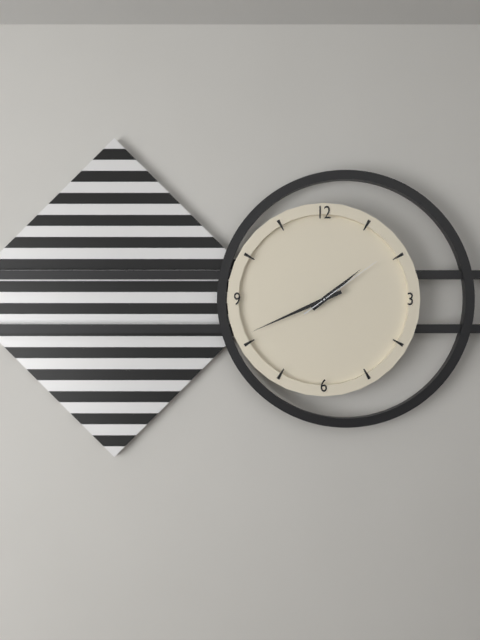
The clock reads 1,41,09
